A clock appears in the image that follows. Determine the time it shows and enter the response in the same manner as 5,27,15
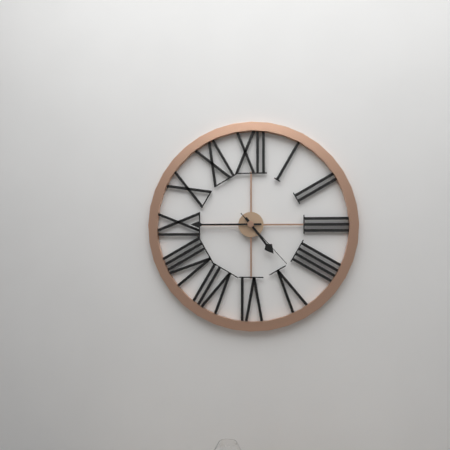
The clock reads 4,45,23
